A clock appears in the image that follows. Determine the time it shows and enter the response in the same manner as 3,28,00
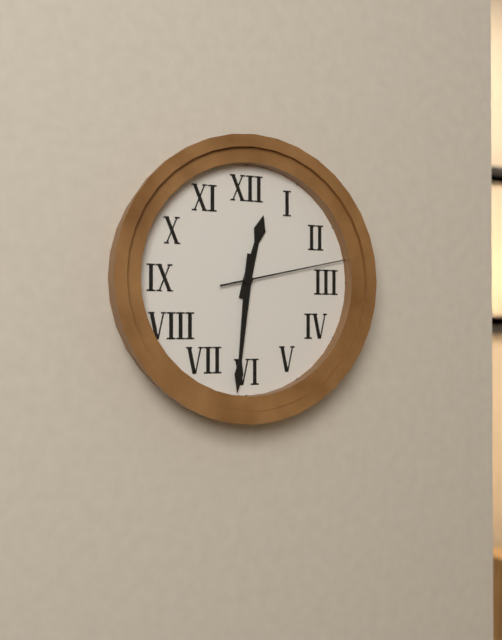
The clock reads 12,31,13
